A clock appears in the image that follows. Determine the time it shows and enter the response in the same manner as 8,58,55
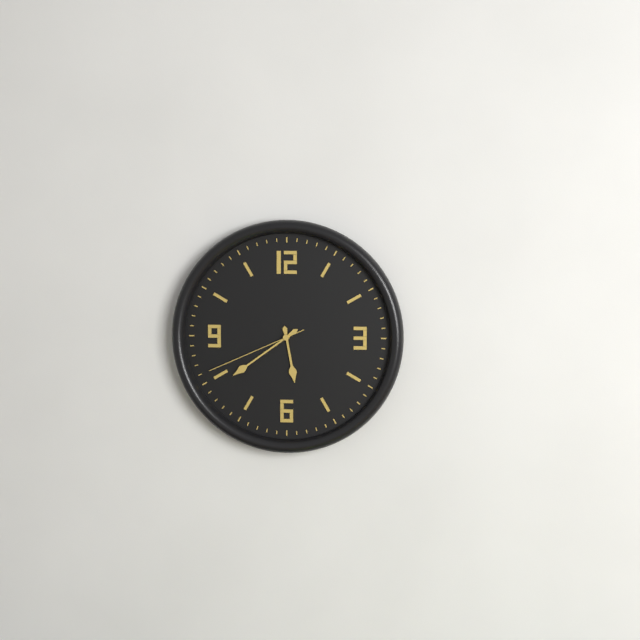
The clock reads 5,39,41
